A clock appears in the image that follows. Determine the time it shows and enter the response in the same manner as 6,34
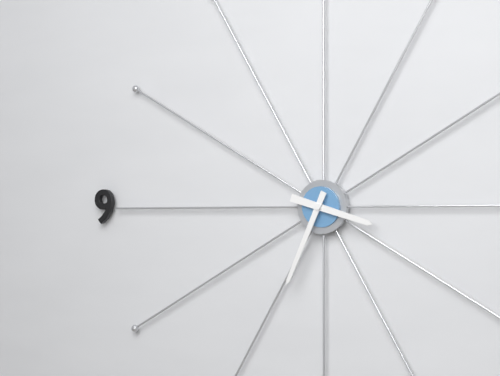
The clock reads 3,34
